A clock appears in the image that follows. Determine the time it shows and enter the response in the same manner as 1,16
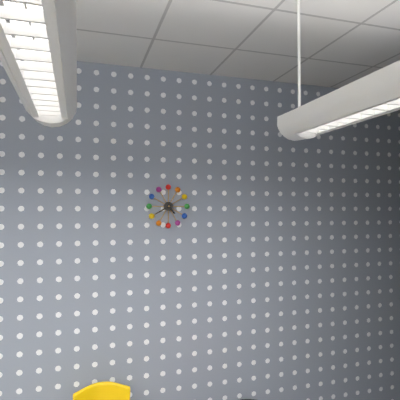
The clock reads 4,40
